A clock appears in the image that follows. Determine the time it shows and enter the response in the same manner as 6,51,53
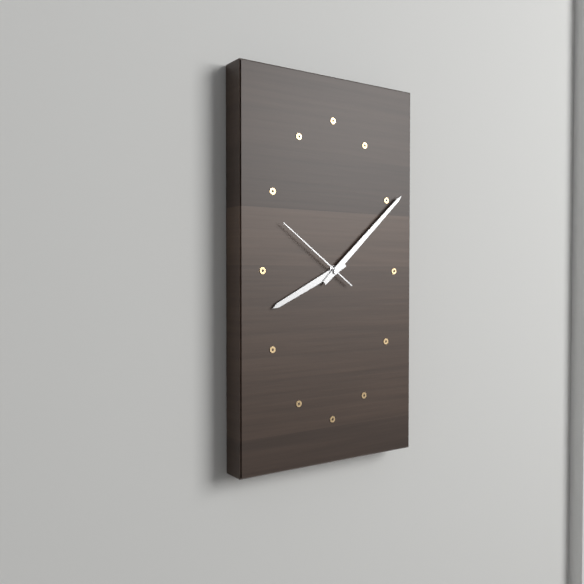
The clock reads 8,08,51
